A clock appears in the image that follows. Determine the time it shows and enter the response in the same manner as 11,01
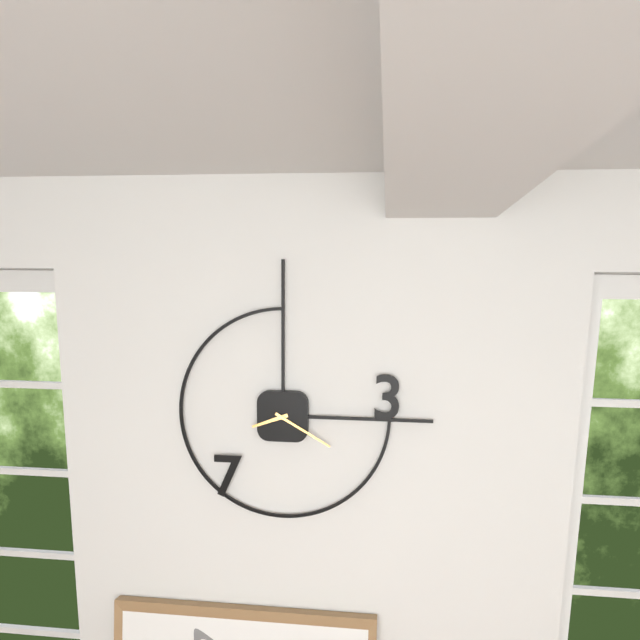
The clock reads 8,20
